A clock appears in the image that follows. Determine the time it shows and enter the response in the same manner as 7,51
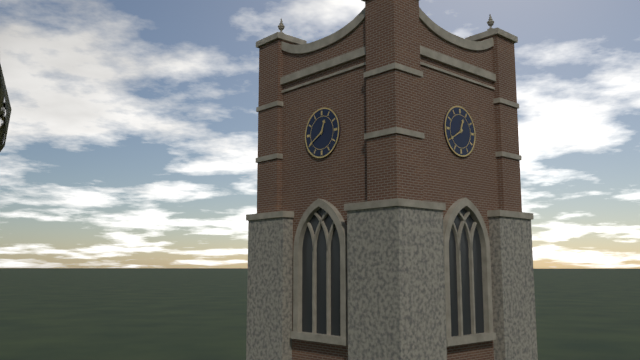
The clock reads 12,40
